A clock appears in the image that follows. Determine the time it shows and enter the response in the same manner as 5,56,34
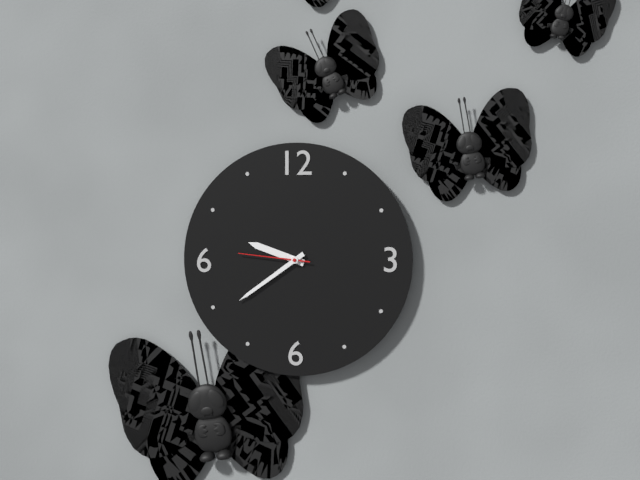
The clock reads 9,39,46
